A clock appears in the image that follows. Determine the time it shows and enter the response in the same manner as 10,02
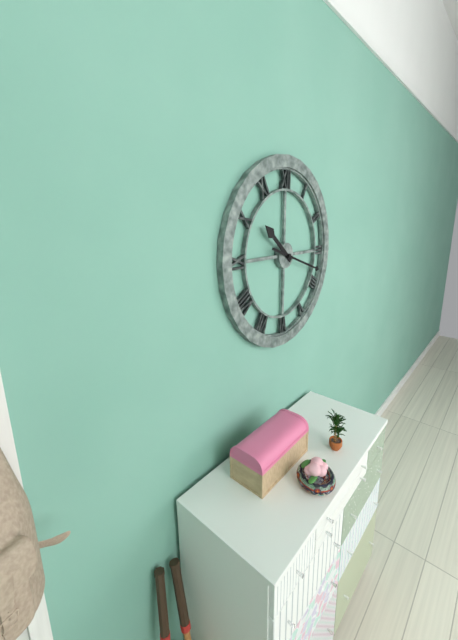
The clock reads 10,18
